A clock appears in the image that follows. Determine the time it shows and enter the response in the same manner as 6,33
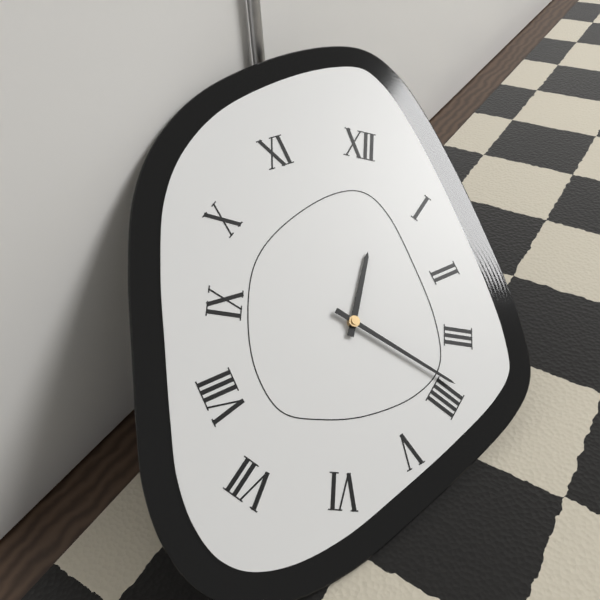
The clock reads 12,19
